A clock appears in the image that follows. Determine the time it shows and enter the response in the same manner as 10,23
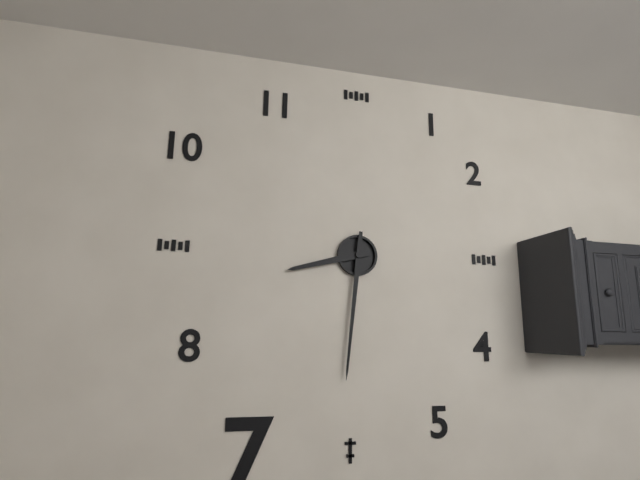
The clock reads 8,31
